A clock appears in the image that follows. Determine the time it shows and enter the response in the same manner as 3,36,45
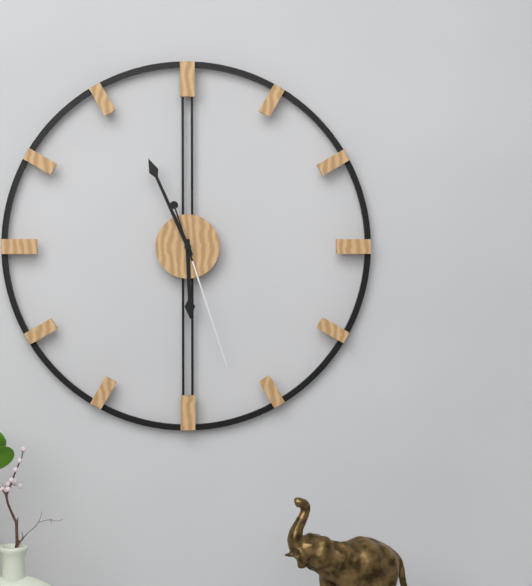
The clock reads 5,56,27
